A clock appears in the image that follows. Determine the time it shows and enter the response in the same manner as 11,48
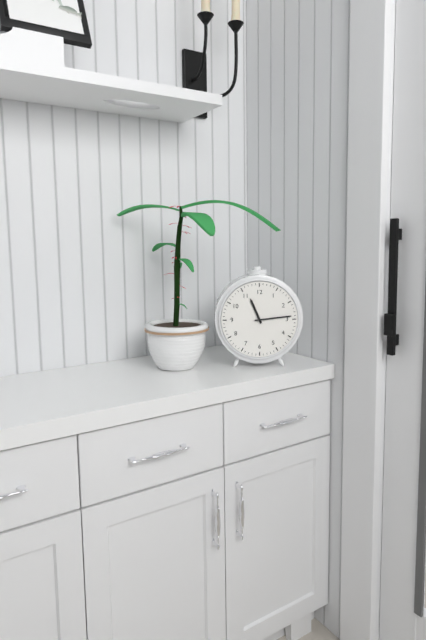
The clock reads 11,14
